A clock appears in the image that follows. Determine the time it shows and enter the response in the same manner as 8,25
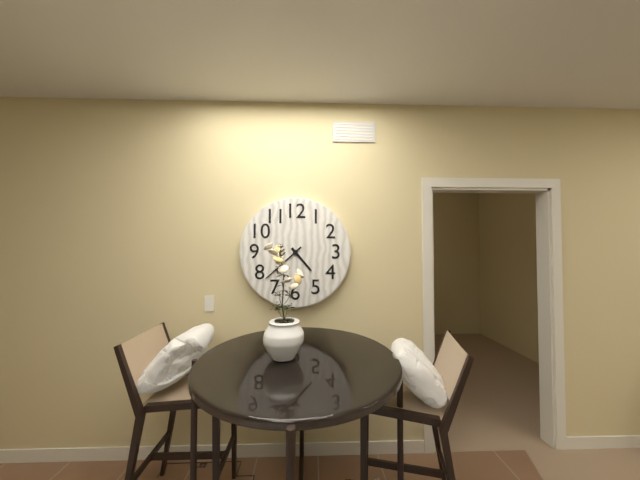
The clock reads 4,38
